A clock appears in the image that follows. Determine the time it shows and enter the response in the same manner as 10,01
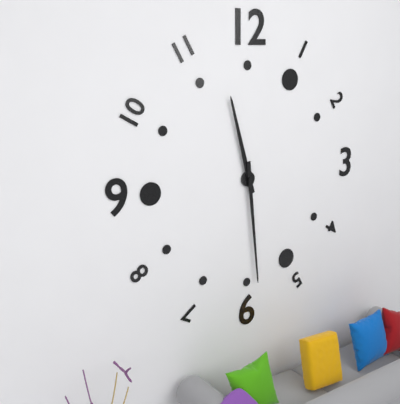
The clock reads 11,29
